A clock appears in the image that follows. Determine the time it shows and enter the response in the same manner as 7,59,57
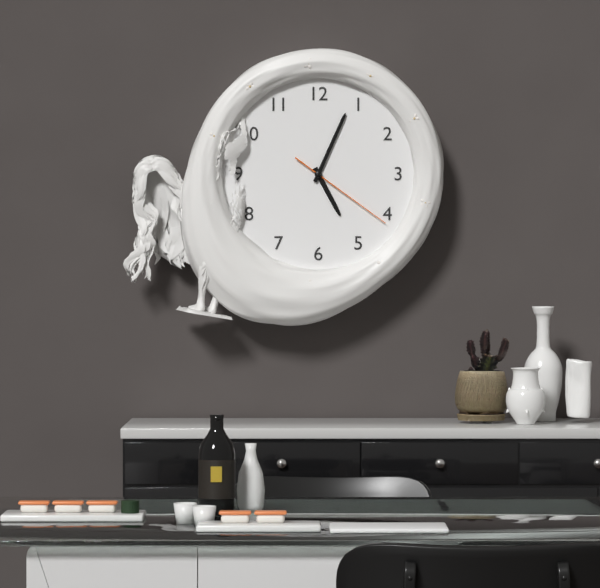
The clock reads 5,04,21
